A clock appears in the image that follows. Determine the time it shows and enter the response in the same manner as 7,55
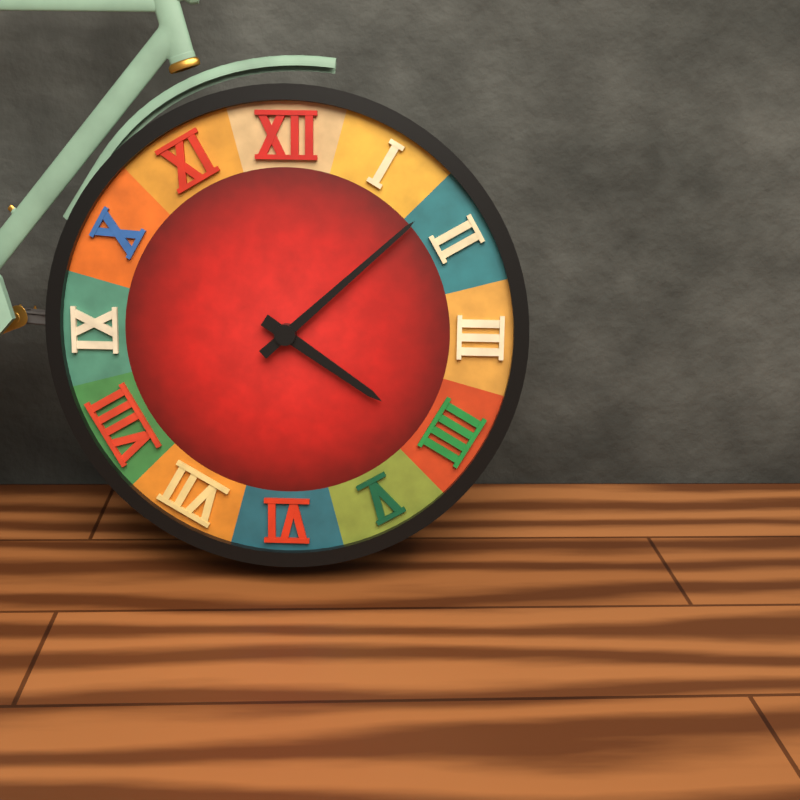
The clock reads 4,08
